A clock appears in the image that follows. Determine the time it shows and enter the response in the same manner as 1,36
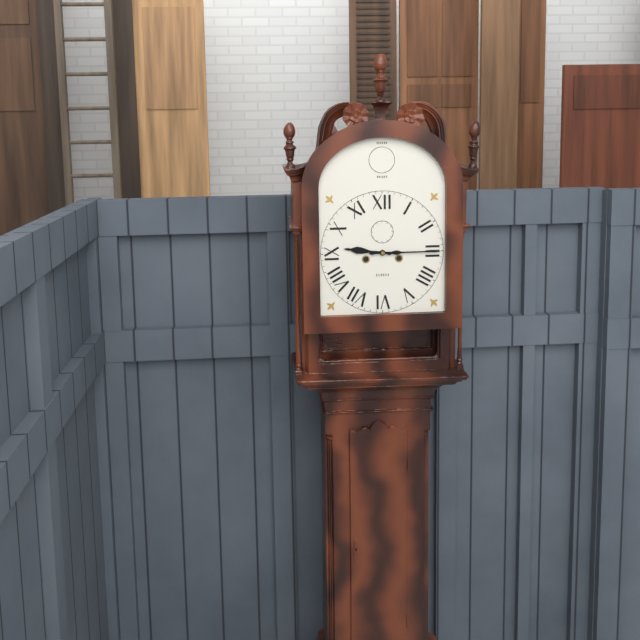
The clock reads 9,15
